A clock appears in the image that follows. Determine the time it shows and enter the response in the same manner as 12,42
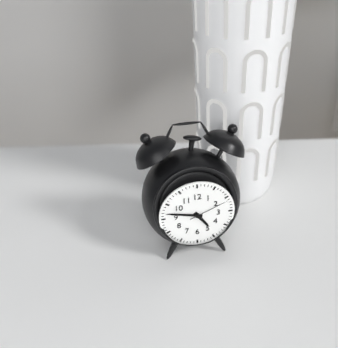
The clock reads 4,47
